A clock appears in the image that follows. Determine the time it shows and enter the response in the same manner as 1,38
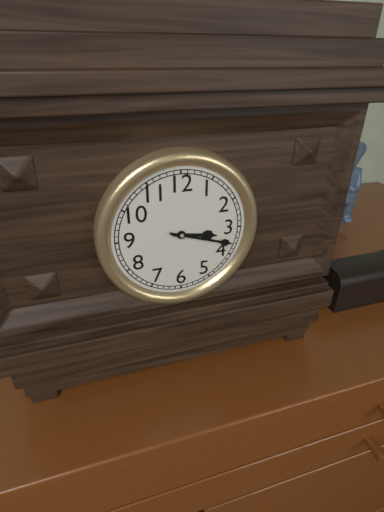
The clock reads 3,18
